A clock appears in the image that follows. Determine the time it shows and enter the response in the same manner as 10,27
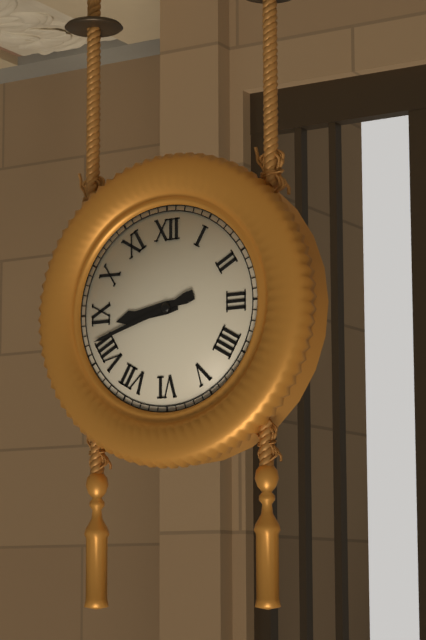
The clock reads 8,42
